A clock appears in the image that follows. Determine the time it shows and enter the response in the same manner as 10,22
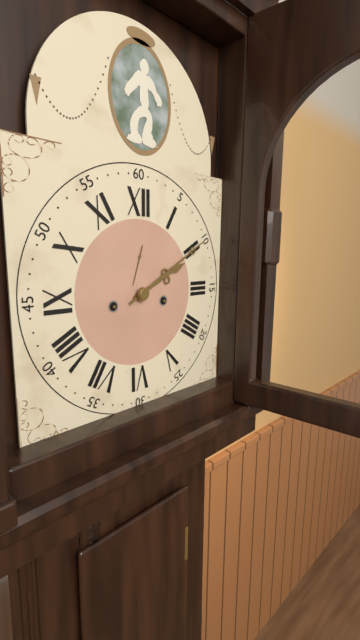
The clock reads 2,10
